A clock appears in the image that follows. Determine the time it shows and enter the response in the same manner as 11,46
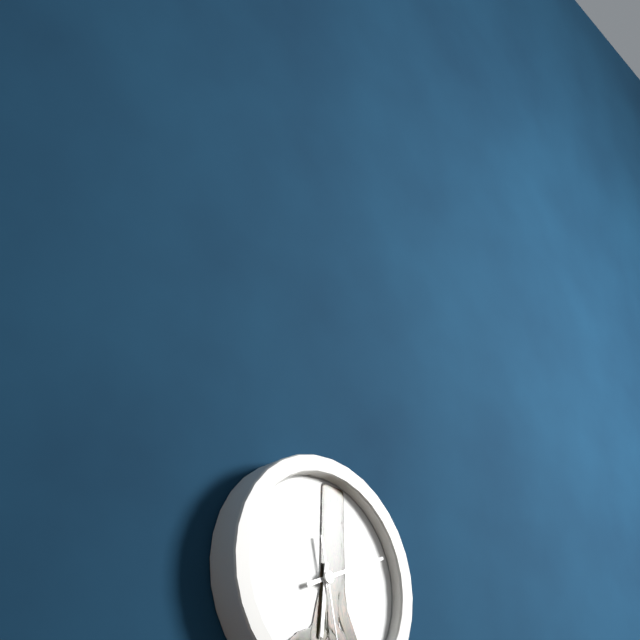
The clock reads 6,11
